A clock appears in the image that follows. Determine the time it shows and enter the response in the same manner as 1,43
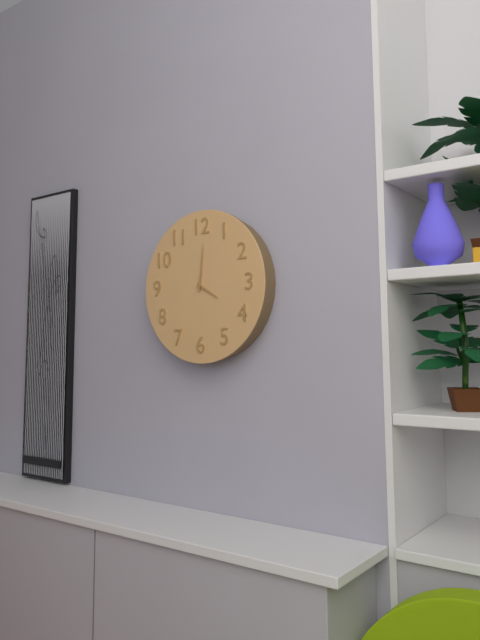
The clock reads 4,01
